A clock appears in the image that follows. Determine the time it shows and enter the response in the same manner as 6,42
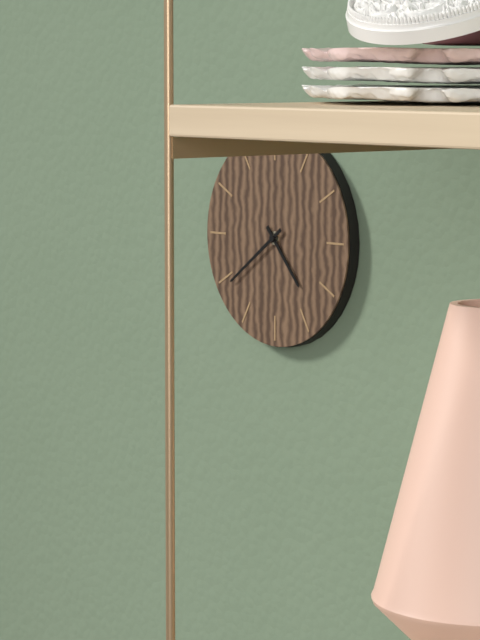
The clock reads 4,39
